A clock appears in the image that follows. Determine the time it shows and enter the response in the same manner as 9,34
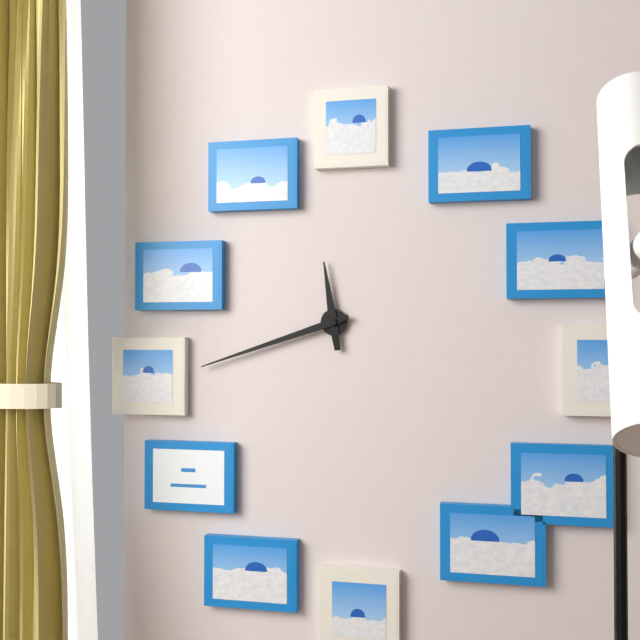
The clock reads 11,42
